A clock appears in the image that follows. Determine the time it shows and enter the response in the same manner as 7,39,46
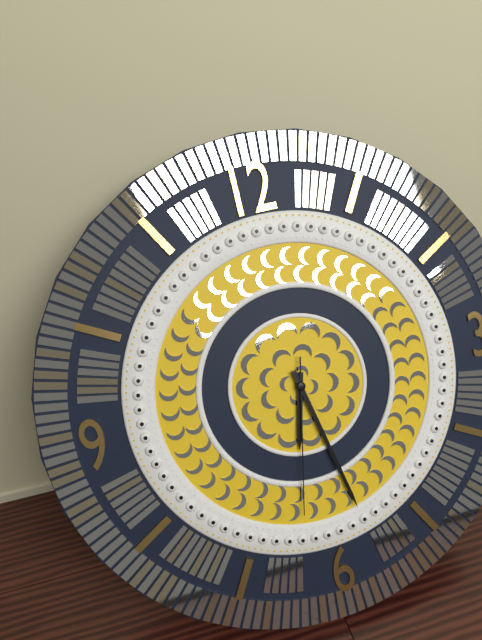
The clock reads 6,28,32
